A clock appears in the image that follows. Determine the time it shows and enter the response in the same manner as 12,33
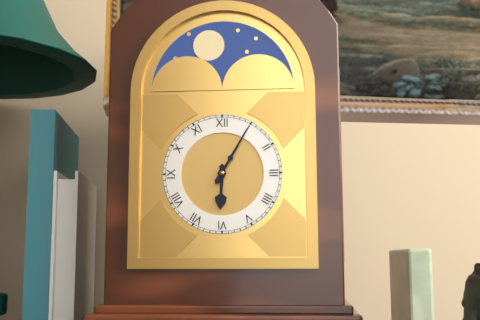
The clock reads 6,05
